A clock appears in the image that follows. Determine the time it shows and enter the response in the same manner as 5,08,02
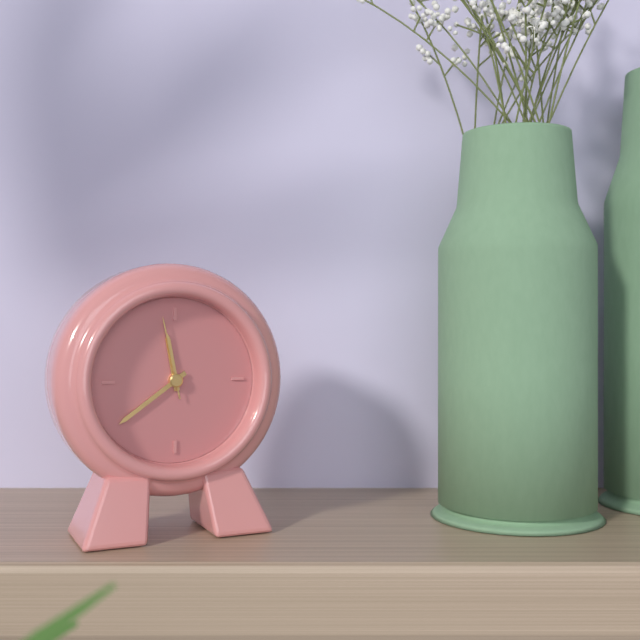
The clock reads 11,39,58
